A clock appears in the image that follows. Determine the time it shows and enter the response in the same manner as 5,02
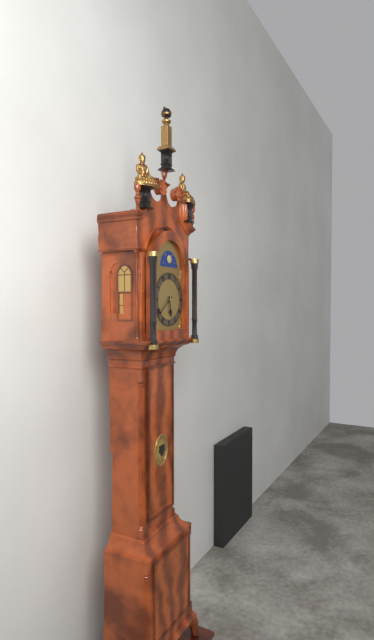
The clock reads 5,39
